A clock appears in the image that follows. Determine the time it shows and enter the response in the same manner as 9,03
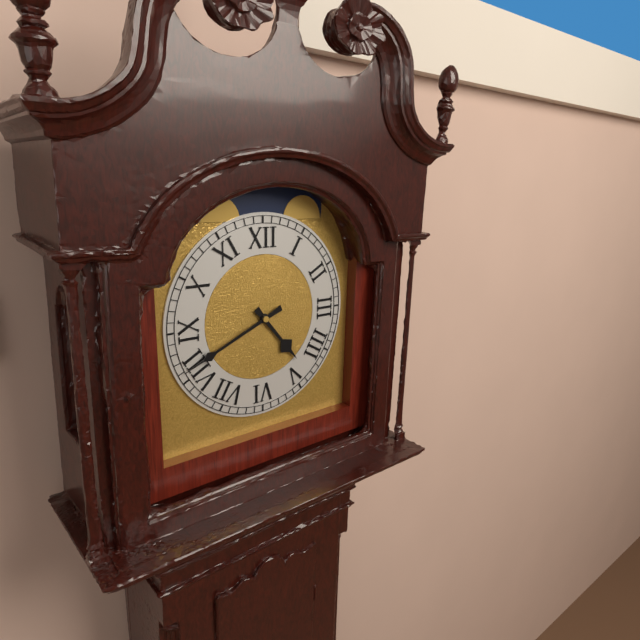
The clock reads 4,41
